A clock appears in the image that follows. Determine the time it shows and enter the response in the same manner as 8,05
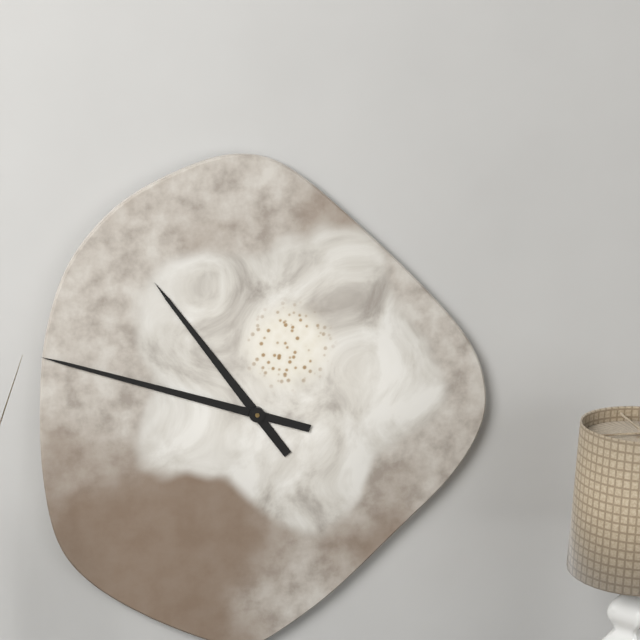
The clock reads 10,48
